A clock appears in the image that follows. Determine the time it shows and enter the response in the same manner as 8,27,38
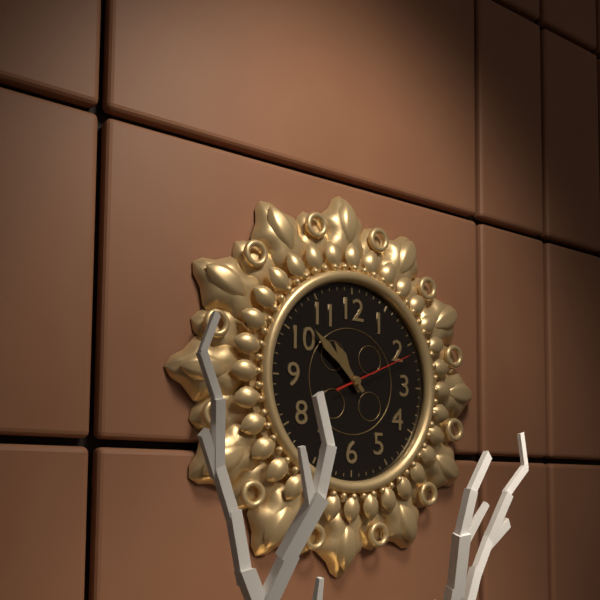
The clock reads 10,52,11
